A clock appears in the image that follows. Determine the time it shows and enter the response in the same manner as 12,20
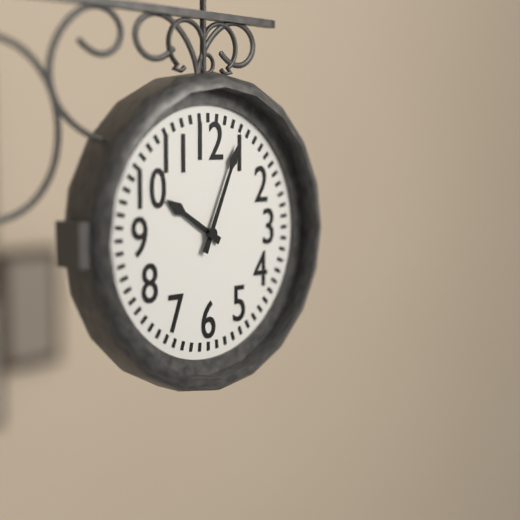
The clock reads 10,04
